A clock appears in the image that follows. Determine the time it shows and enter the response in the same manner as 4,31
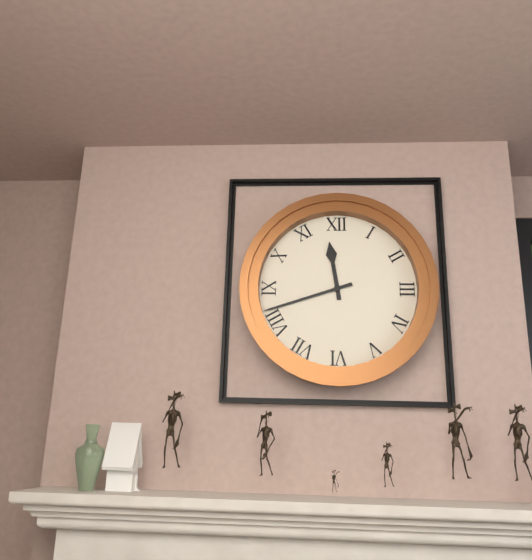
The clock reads 11,42
